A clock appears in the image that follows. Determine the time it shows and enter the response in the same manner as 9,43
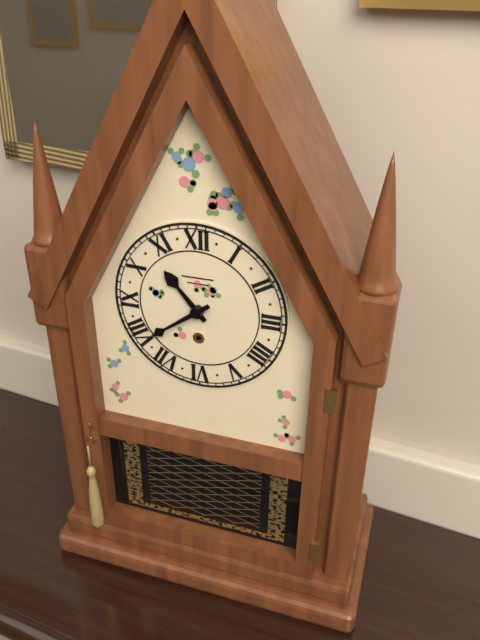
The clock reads 10,39
